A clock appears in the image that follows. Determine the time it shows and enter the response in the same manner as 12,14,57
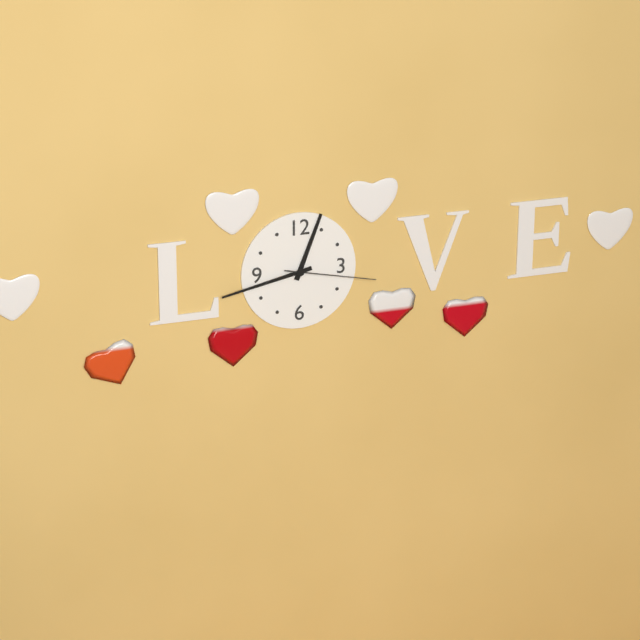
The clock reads 12,43,17
